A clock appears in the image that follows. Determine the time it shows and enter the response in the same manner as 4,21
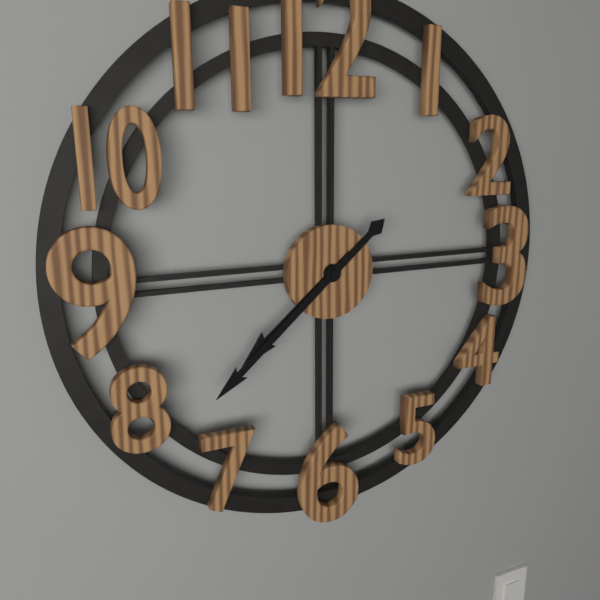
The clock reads 7,38
